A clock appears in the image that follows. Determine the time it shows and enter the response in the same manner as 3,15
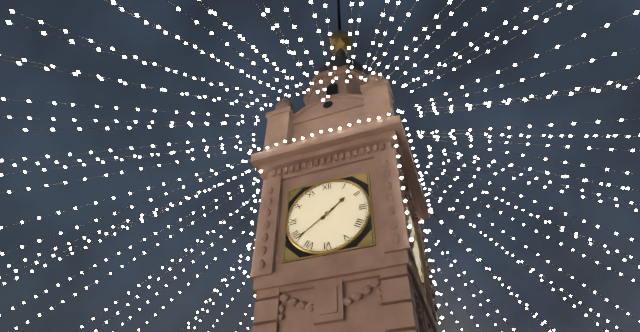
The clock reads 1,39
